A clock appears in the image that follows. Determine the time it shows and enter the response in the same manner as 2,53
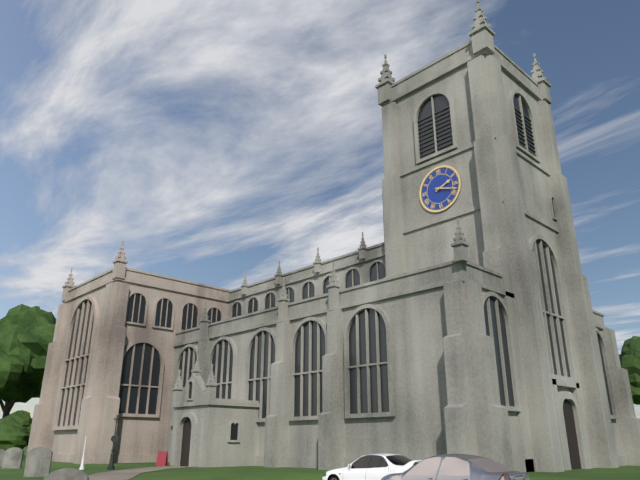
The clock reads 2,18
